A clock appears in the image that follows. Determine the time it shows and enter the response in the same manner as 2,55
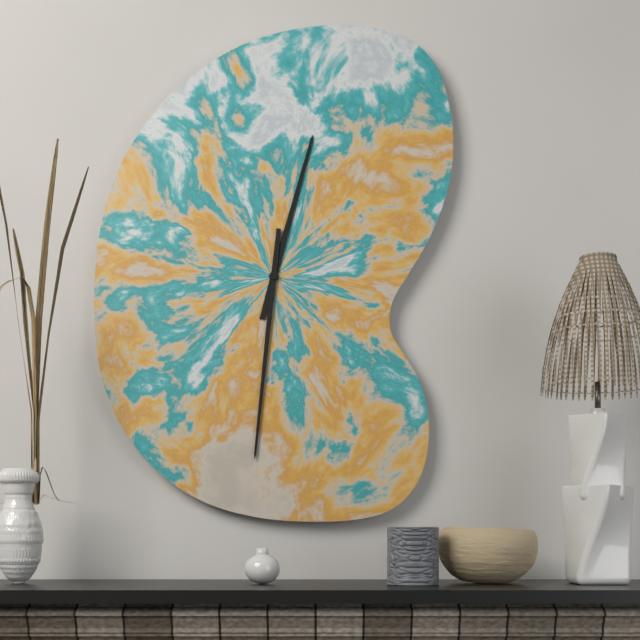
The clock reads 12,31
